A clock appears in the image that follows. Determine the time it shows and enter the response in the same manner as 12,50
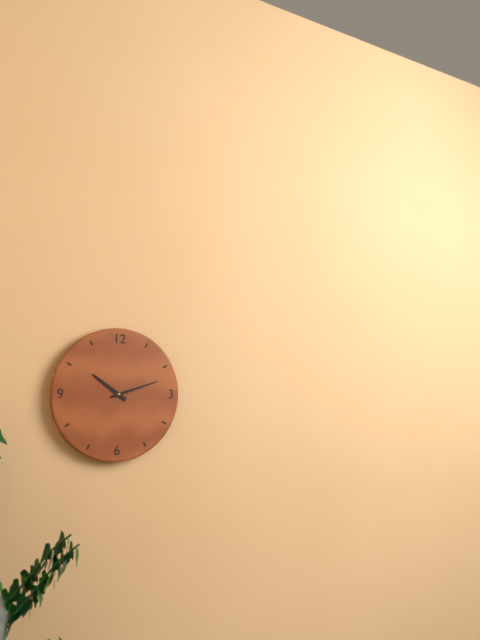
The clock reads 10,12
